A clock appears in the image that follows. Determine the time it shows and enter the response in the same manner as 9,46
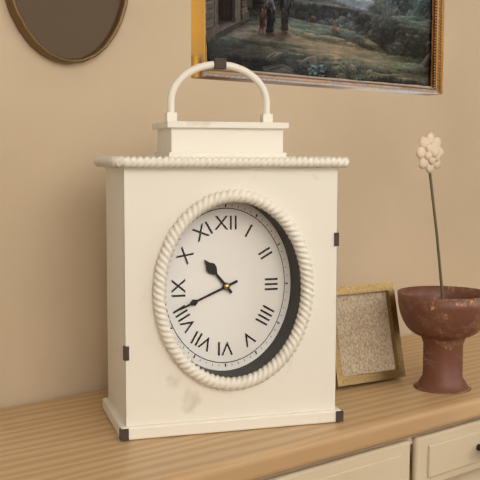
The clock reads 10,41
